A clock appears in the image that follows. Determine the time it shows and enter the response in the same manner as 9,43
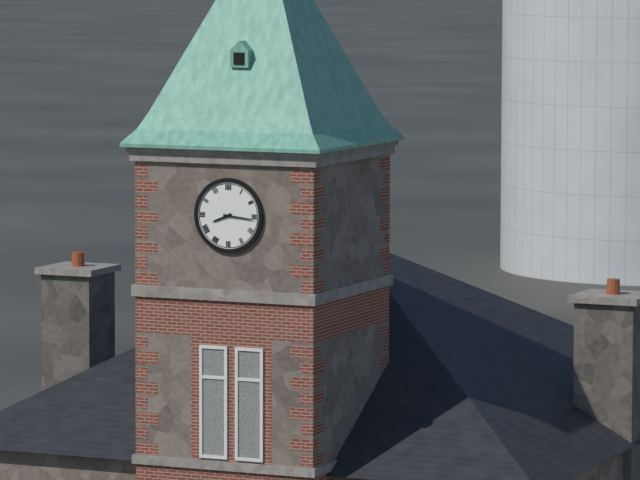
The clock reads 8,16
